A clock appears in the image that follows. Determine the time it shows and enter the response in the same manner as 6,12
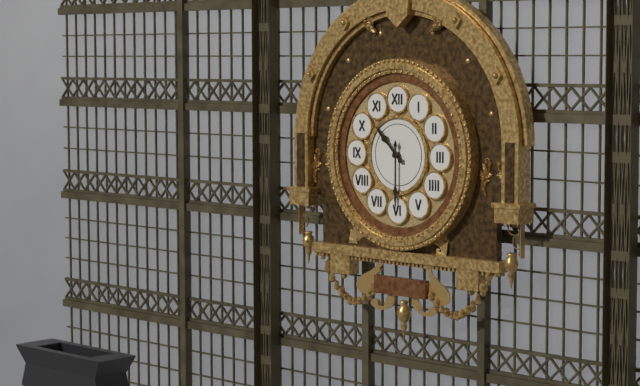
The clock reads 10,30
